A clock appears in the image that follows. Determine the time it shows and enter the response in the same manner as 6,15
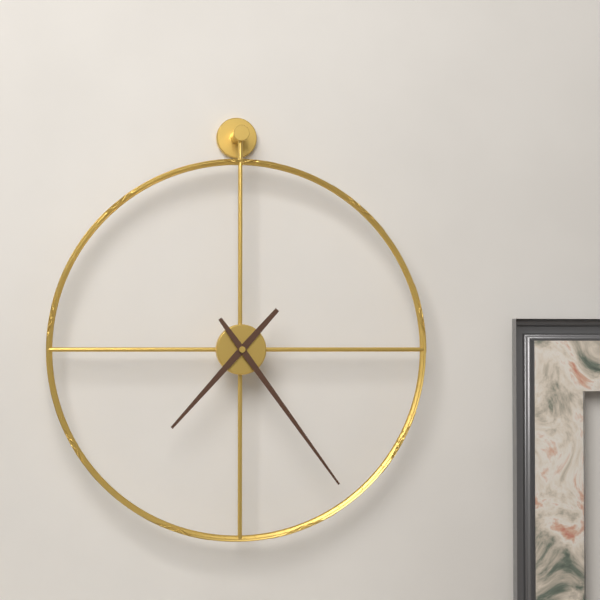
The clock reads 7,24
